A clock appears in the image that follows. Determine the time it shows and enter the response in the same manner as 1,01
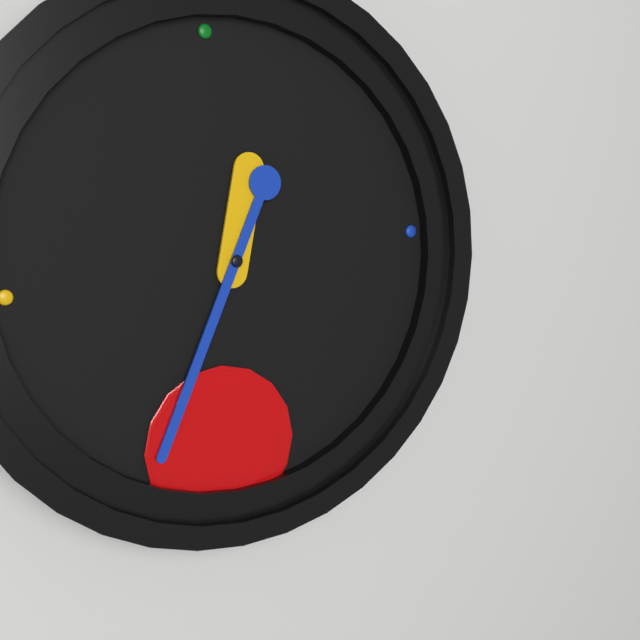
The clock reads 12,35
